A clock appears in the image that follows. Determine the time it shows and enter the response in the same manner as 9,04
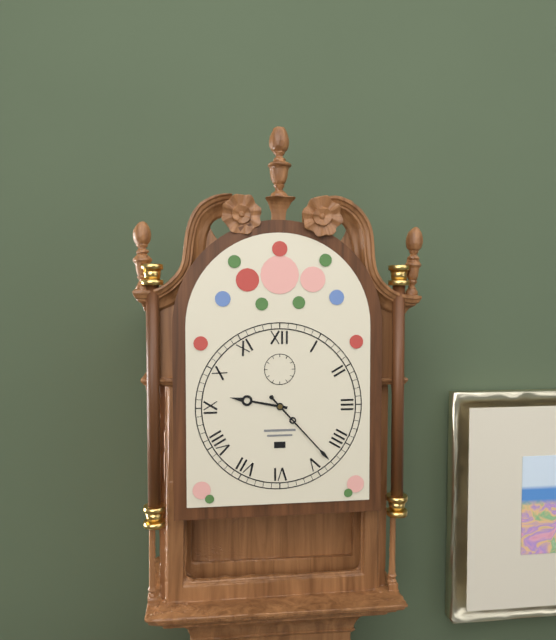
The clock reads 9,23
